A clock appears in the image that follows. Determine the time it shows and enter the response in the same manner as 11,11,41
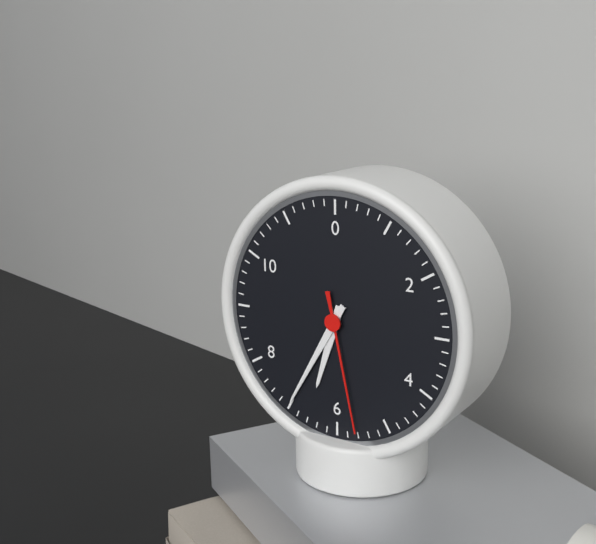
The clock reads 6,35,28
